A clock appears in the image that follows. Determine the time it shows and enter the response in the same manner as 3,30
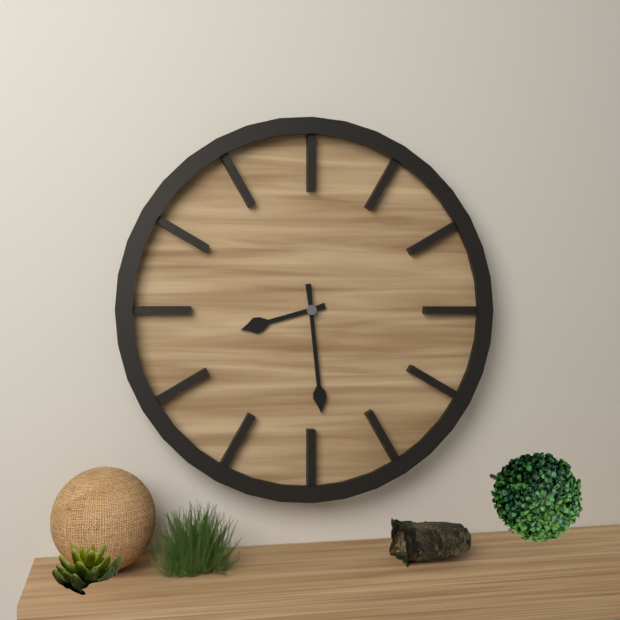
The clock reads 8,29
